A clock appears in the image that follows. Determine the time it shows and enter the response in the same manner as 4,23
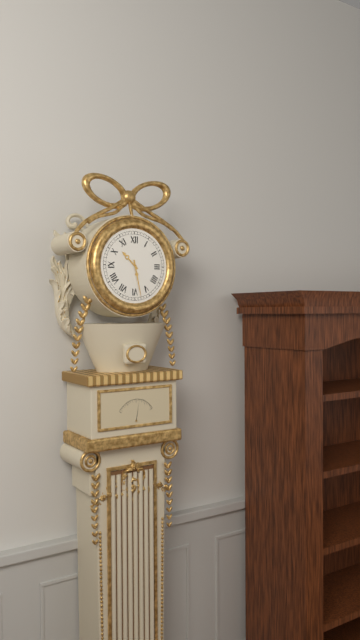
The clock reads 10,28
